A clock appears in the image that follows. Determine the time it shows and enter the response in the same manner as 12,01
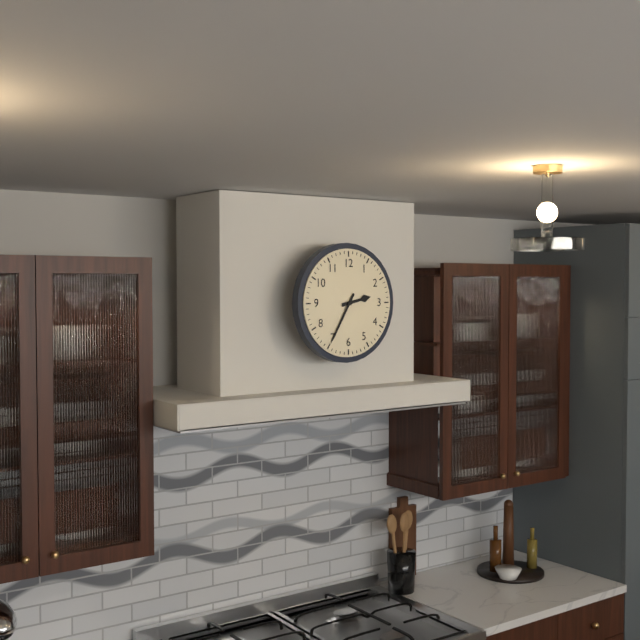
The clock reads 2,35
